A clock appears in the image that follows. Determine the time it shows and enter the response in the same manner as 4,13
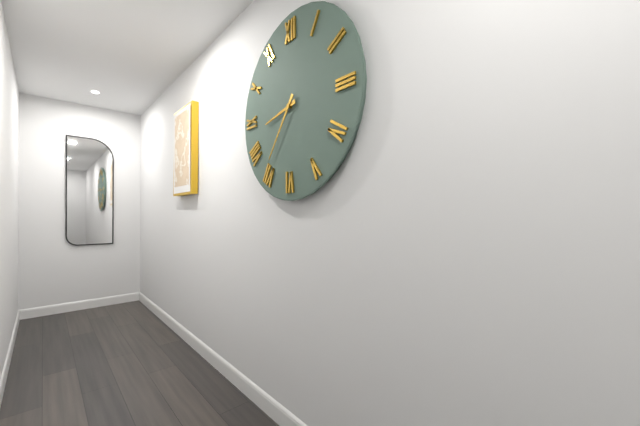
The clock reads 8,36
